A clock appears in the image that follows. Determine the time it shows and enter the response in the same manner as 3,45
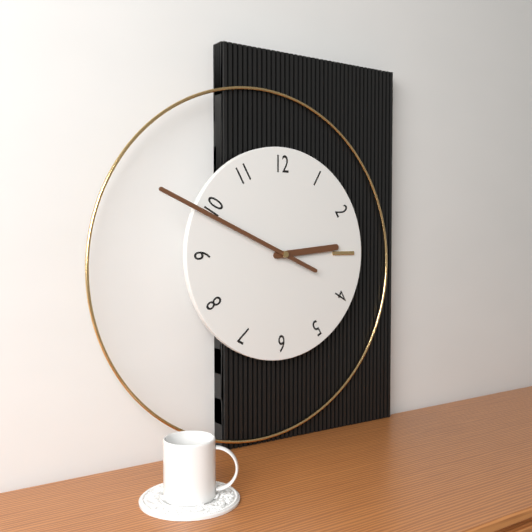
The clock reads 2,49
